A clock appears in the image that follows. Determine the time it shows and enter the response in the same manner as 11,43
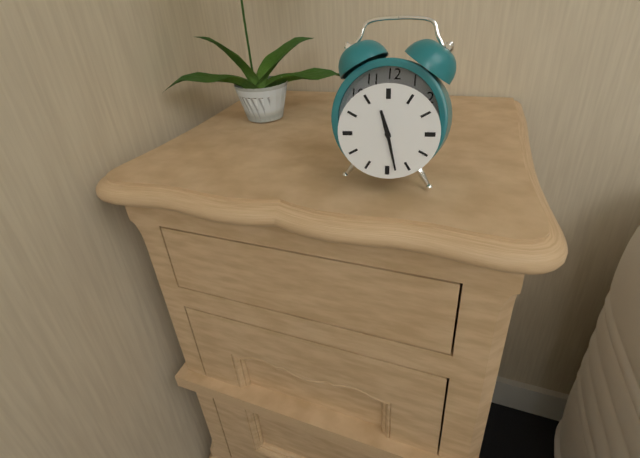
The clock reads 11,28
